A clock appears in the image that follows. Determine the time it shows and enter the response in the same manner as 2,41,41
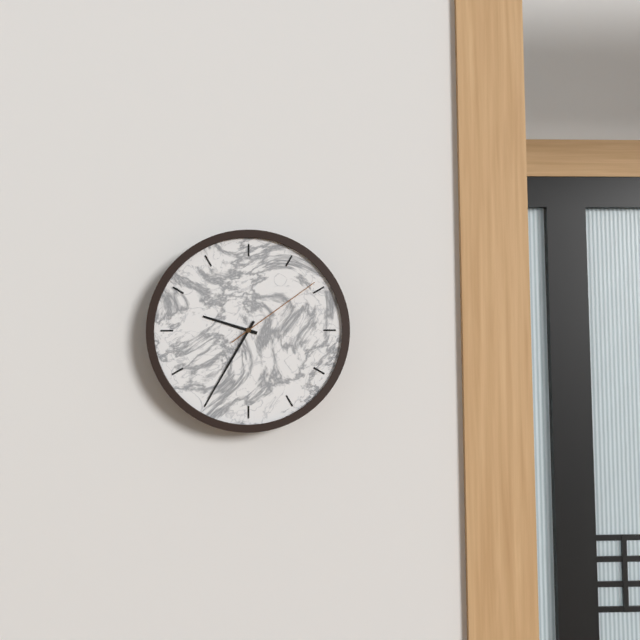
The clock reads 9,35,09
